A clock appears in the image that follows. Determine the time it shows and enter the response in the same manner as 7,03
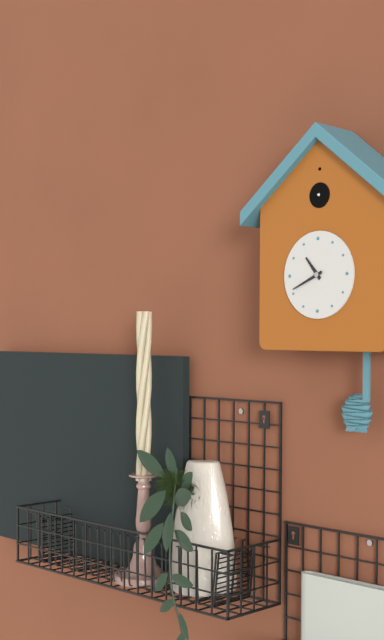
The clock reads 10,41
